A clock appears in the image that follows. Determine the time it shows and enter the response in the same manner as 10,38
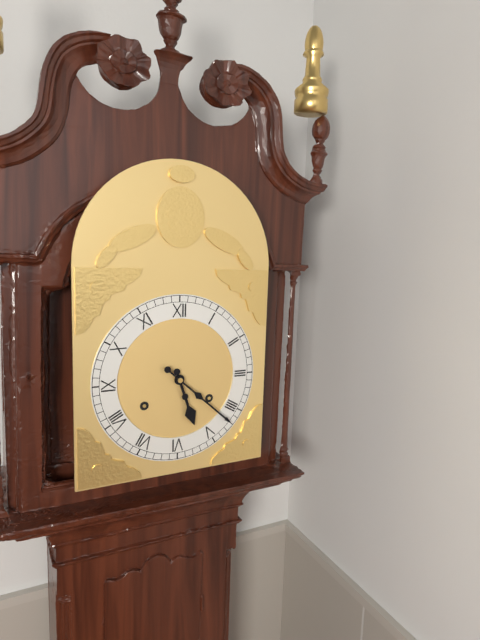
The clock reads 5,22
